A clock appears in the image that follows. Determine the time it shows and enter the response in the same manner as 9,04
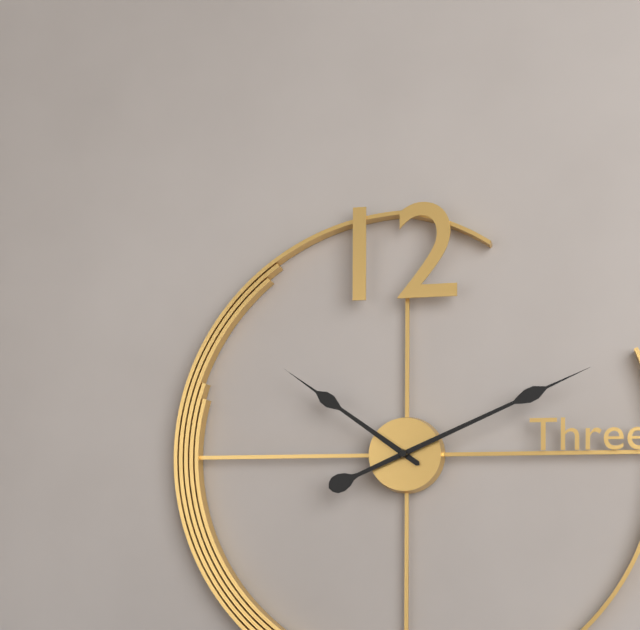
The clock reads 10,11
